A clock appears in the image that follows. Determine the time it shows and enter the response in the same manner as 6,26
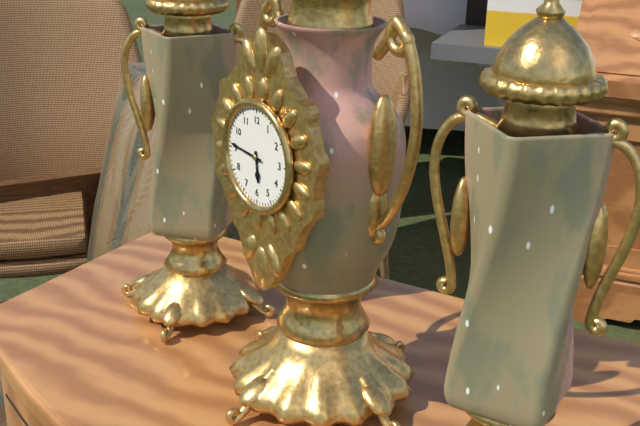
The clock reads 5,46
